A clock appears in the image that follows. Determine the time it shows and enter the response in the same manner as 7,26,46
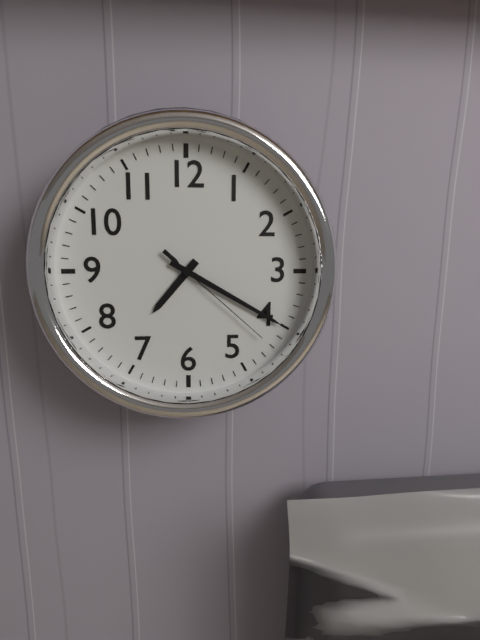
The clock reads 7,20,22
